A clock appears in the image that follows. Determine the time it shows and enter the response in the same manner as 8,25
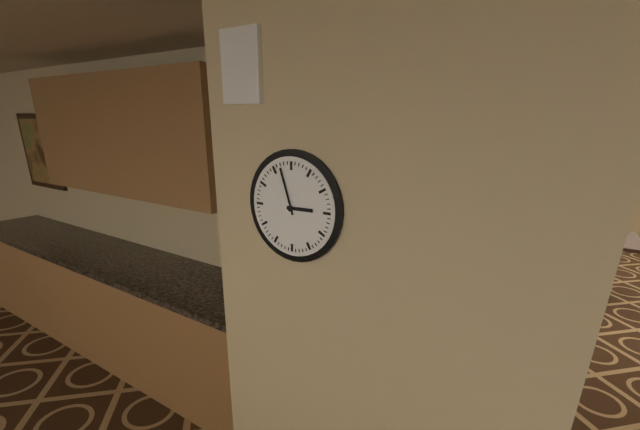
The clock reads 2,57
